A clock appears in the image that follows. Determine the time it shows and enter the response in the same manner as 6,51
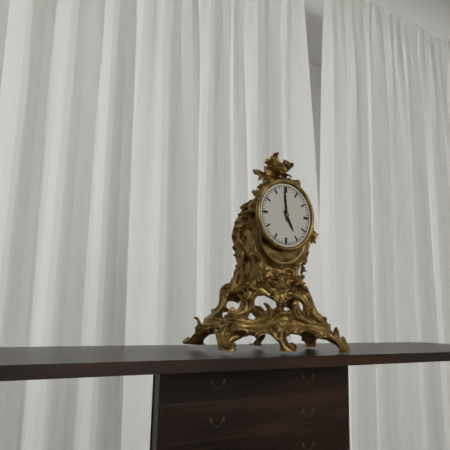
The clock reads 4,59
